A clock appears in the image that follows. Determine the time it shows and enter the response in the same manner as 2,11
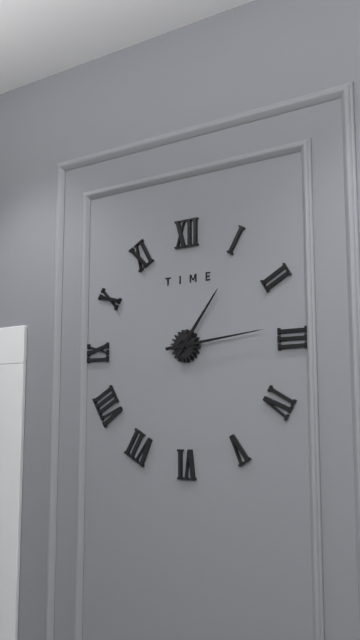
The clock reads 1,14
